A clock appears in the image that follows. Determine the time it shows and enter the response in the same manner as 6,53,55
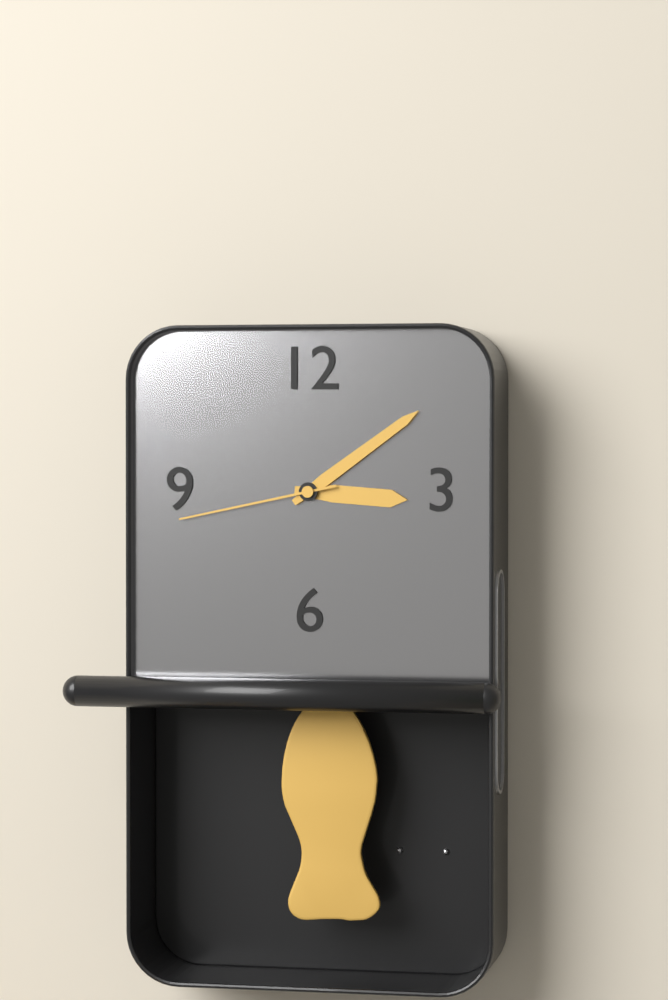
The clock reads 3,09,43
